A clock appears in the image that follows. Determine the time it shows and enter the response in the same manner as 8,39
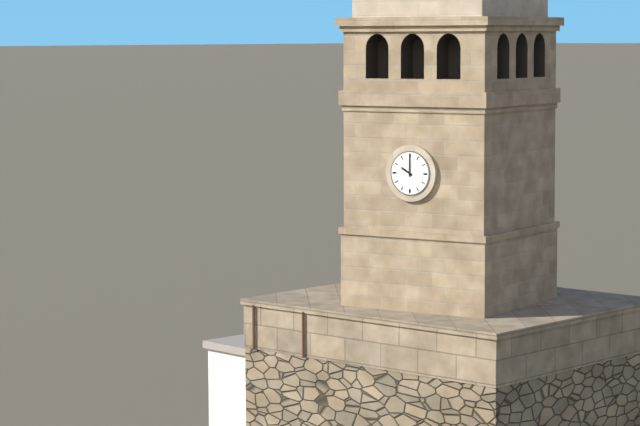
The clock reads 10,00
